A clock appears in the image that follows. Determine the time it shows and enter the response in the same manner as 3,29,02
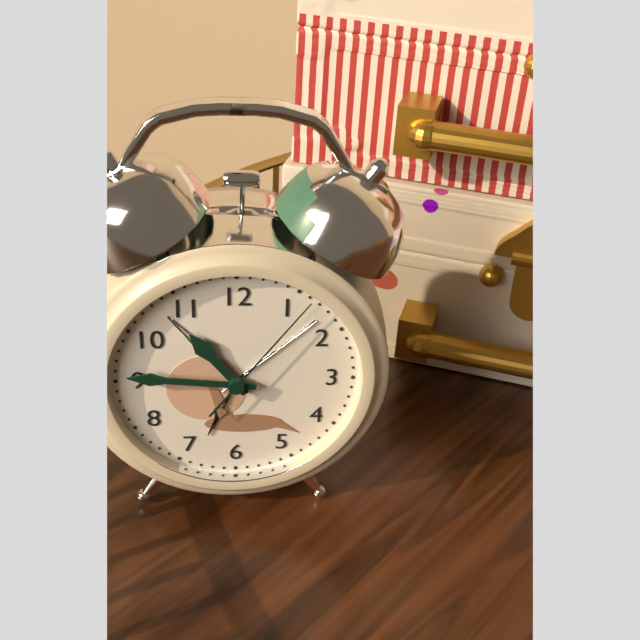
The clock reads 10,46,06
